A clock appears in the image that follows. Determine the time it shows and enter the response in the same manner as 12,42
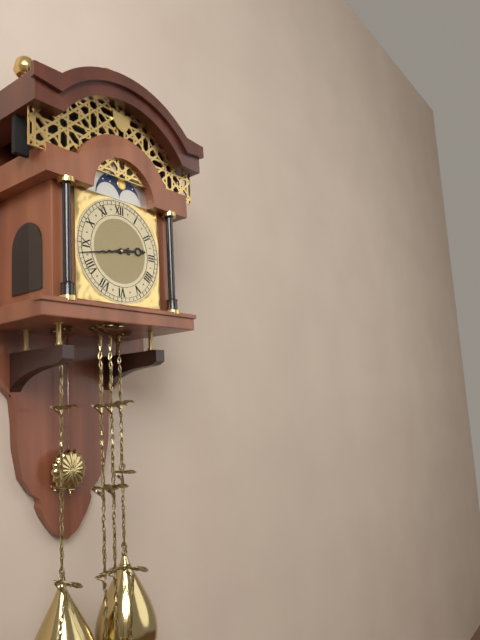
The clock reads 2,43
